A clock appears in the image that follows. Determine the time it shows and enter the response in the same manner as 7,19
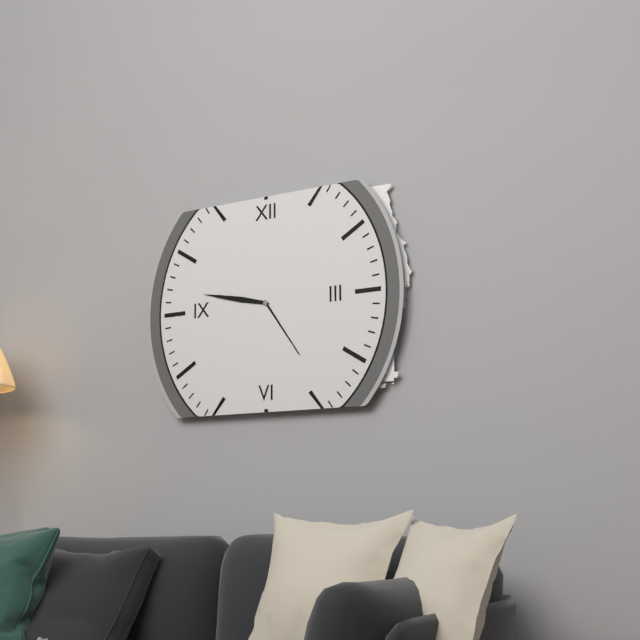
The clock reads 4,47
